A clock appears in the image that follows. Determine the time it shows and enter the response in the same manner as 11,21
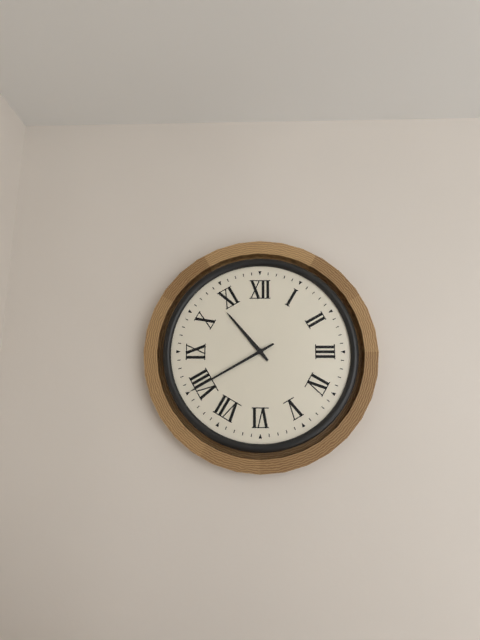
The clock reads 10,40
